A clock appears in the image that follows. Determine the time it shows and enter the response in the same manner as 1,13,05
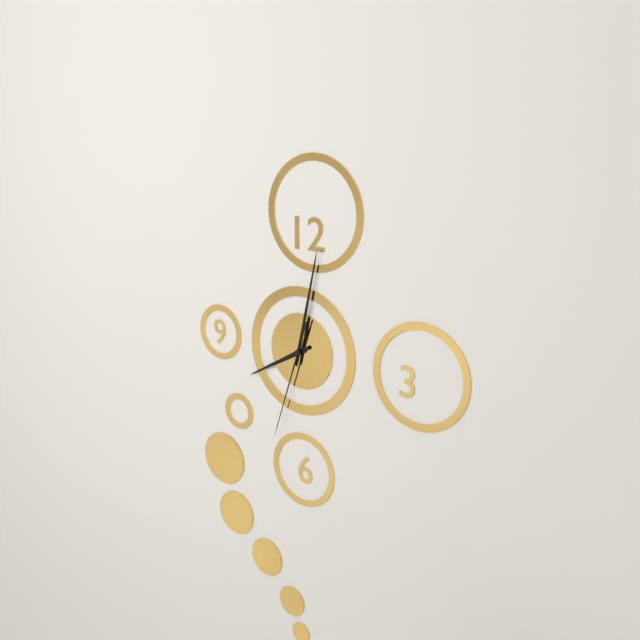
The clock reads 8,02,33
